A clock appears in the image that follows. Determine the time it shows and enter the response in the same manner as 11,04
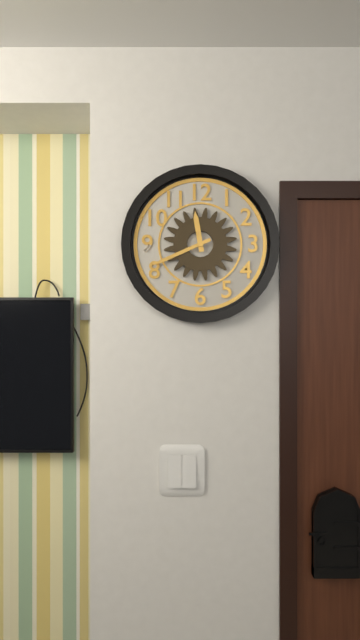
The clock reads 11,41
